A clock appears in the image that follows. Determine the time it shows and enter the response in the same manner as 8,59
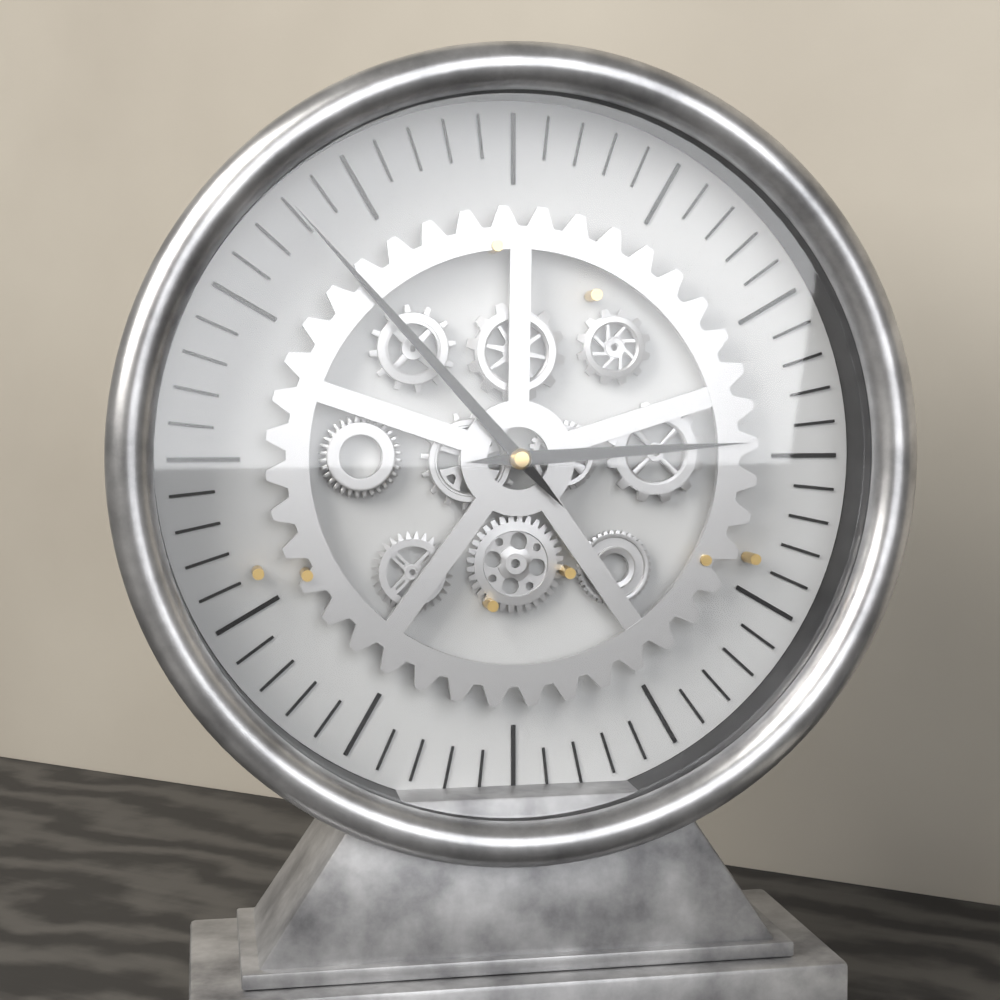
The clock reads 2,53
